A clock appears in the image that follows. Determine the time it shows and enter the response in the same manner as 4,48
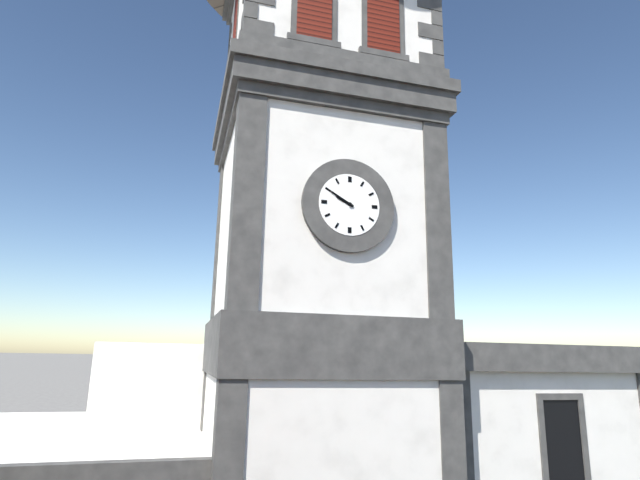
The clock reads 9,50
